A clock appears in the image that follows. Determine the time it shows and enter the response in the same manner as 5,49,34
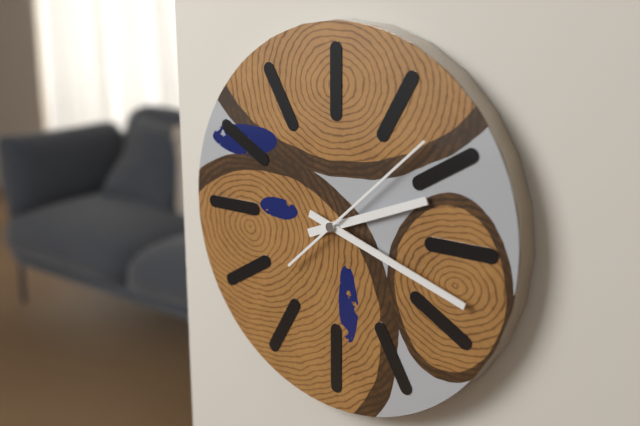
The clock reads 2,18,08
